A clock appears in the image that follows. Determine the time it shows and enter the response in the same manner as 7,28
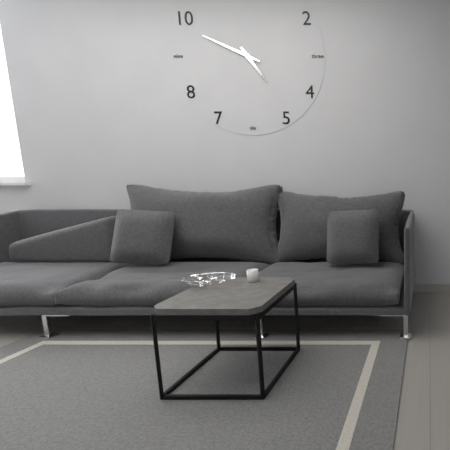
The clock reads 4,49
